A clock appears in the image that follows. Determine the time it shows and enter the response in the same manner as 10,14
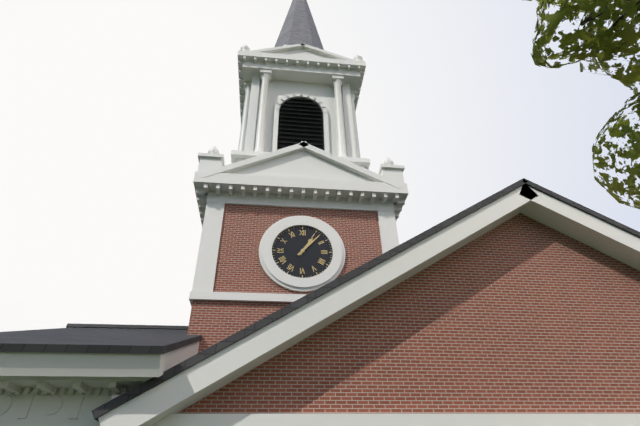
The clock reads 1,07
